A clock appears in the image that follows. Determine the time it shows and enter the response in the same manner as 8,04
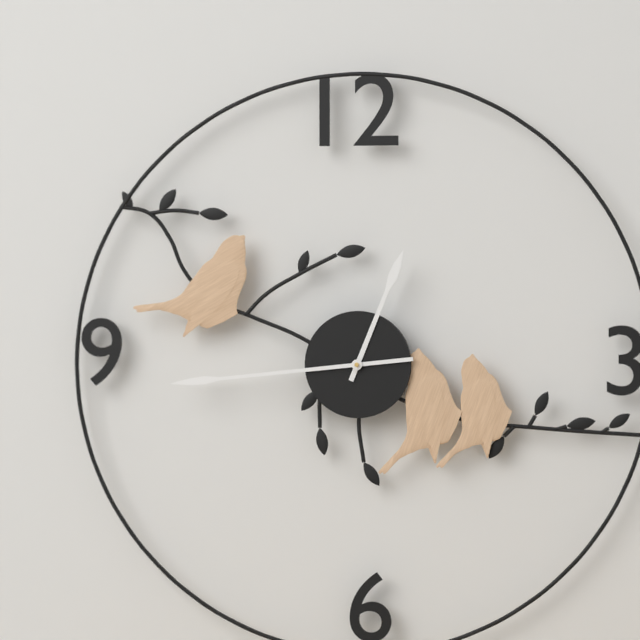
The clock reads 12,44
